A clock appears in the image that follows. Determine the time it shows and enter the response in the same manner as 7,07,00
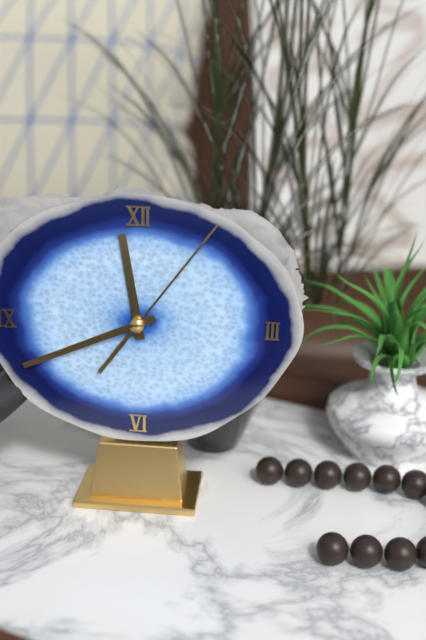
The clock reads 11,41,06
